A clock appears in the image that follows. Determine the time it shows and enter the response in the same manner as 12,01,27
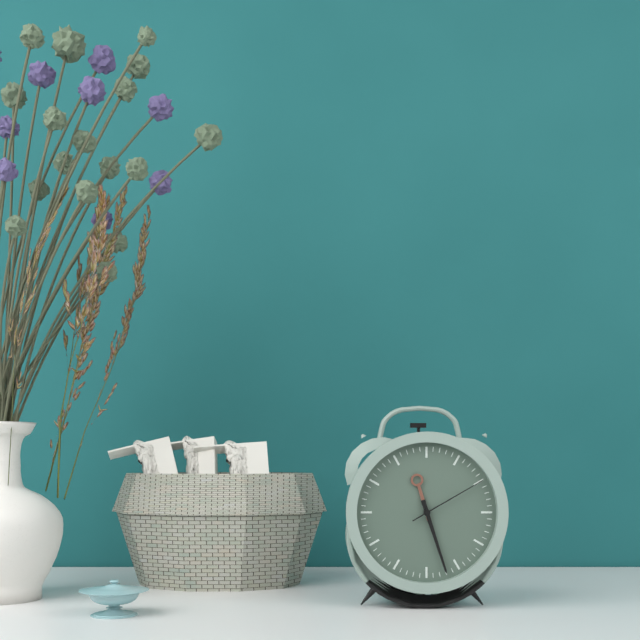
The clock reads 11,27,10
